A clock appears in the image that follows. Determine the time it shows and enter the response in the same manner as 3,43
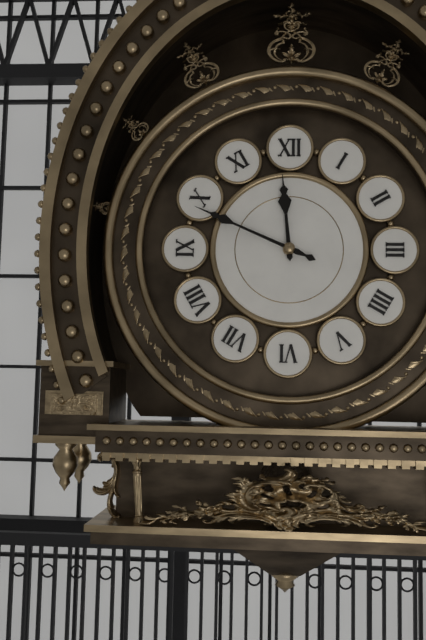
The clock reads 11,49
